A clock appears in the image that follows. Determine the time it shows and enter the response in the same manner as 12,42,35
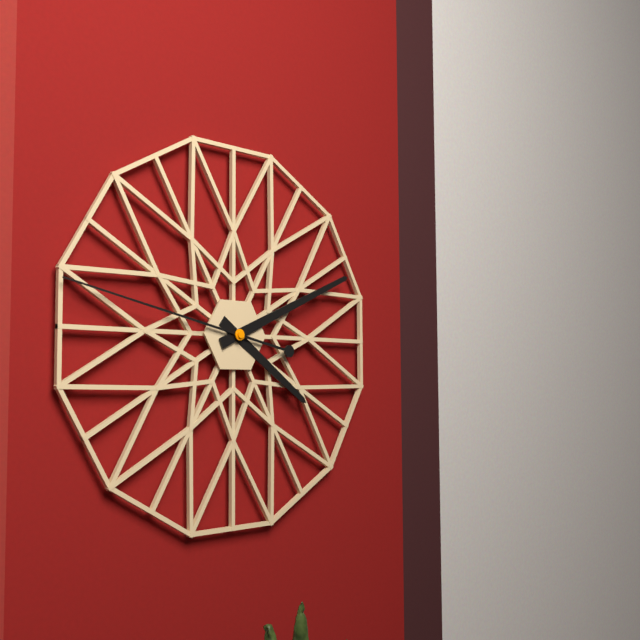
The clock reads 4,11,47
